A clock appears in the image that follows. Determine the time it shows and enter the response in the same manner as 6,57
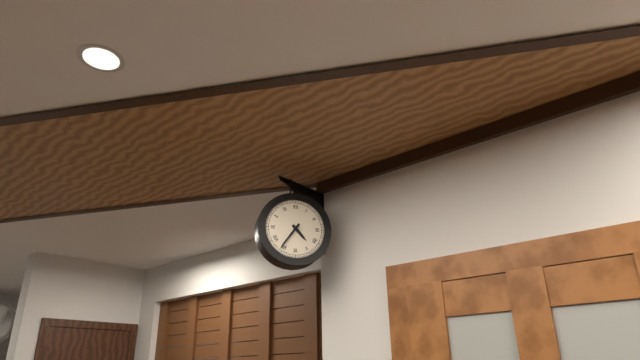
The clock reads 4,36
